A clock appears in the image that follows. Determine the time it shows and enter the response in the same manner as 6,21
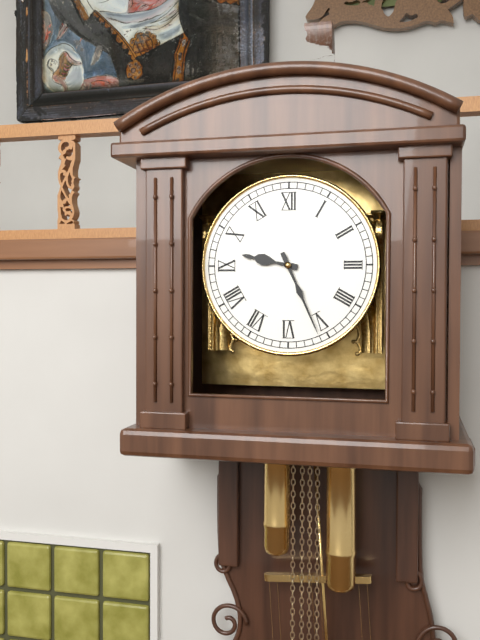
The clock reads 9,26
